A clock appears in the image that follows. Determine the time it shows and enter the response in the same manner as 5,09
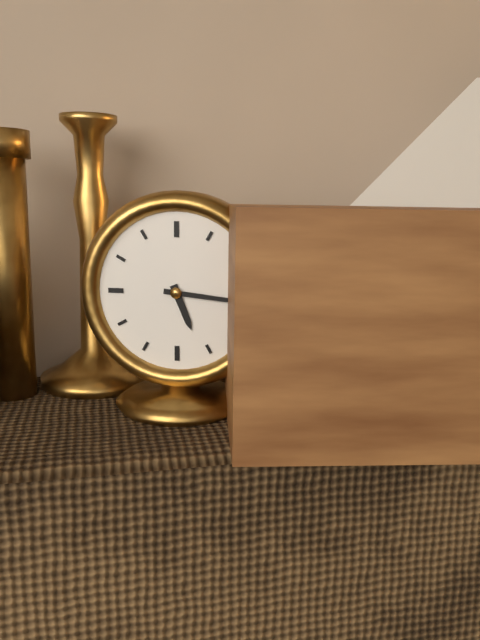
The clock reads 5,16
